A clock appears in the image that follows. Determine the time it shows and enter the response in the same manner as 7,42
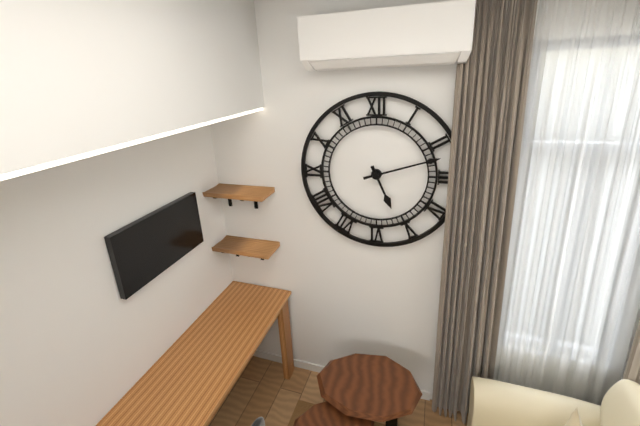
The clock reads 5,12
